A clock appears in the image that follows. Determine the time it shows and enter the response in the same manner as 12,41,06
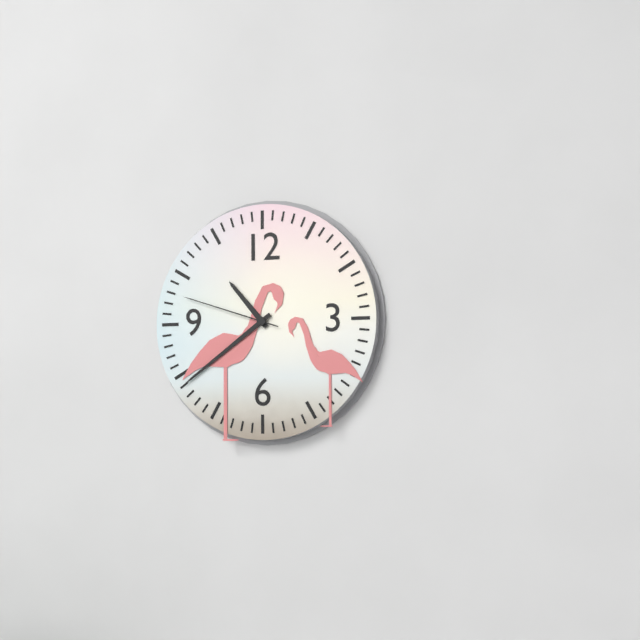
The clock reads 10,39,48
